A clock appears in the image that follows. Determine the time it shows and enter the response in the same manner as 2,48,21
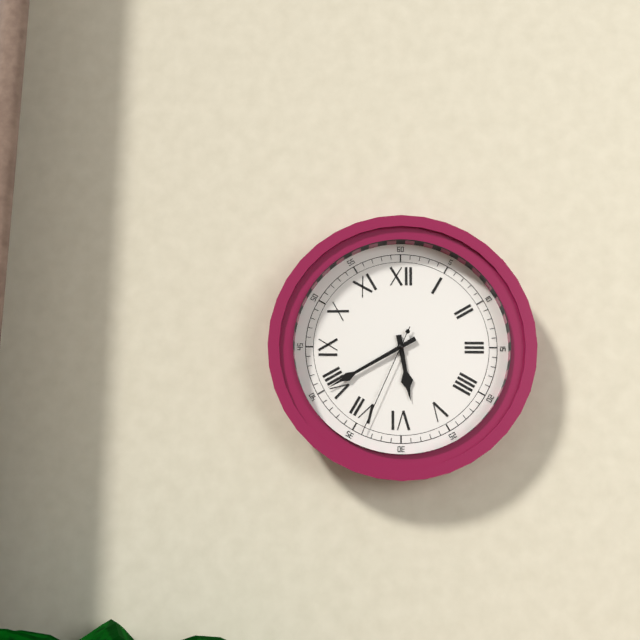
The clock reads 5,40,34
